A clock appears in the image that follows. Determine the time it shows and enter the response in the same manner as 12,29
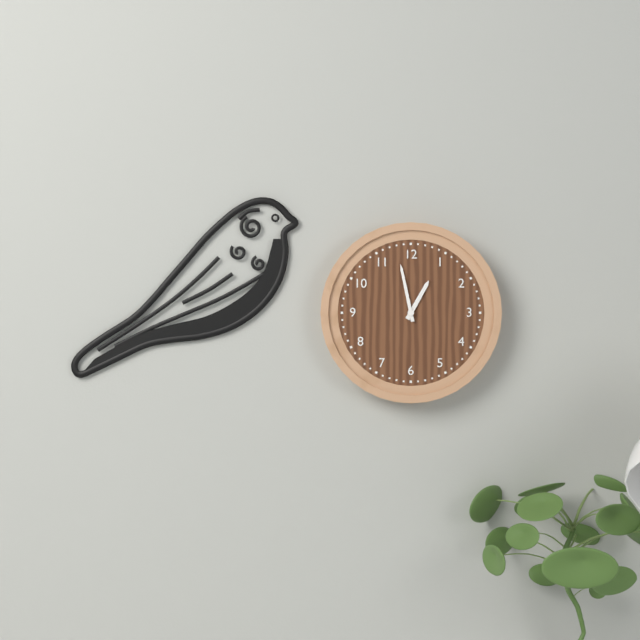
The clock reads 12,58
